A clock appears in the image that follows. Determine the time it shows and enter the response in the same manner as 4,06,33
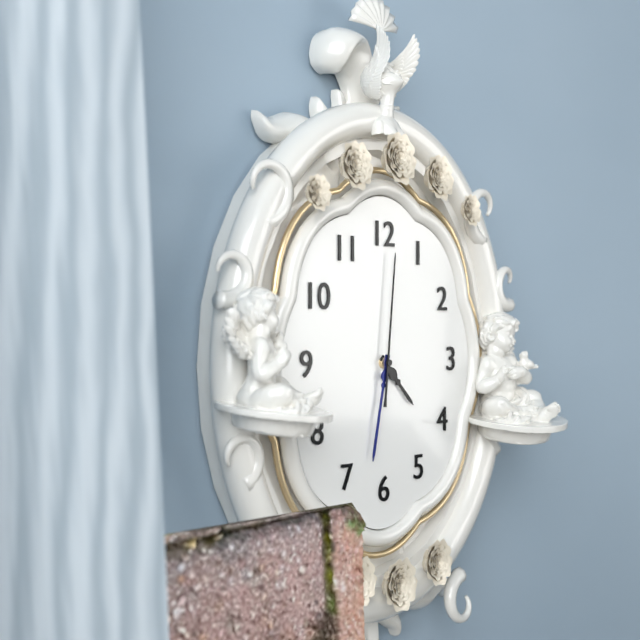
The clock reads 4,32,01
